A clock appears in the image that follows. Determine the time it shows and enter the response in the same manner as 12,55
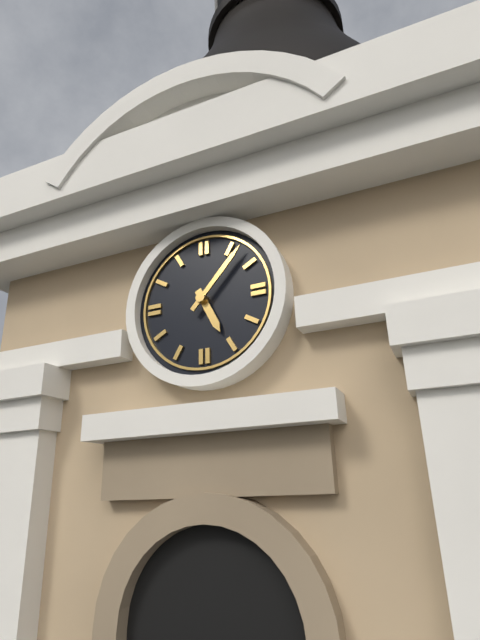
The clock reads 5,07
